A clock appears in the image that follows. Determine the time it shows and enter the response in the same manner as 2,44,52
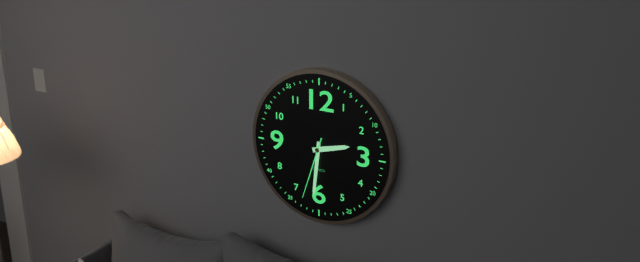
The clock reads 2,31,33
